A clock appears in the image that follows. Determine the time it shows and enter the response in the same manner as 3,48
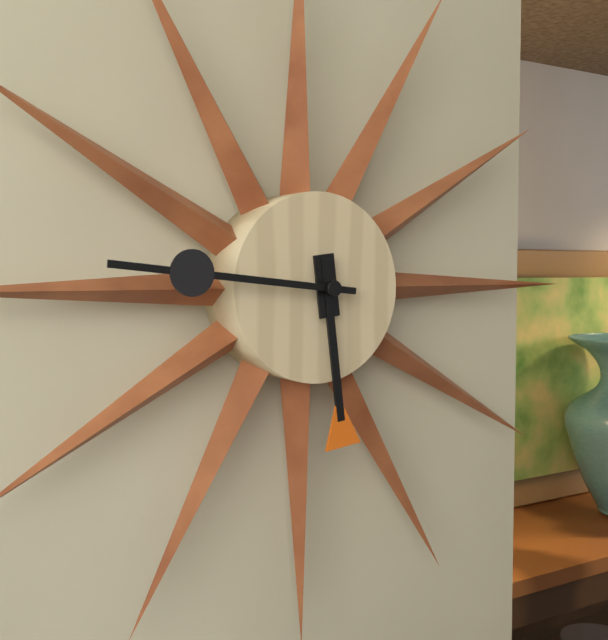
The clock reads 5,46
